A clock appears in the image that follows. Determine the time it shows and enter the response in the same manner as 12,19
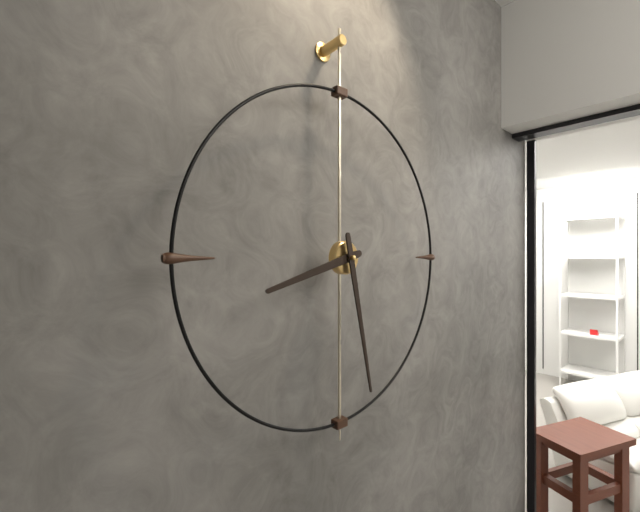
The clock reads 8,28
